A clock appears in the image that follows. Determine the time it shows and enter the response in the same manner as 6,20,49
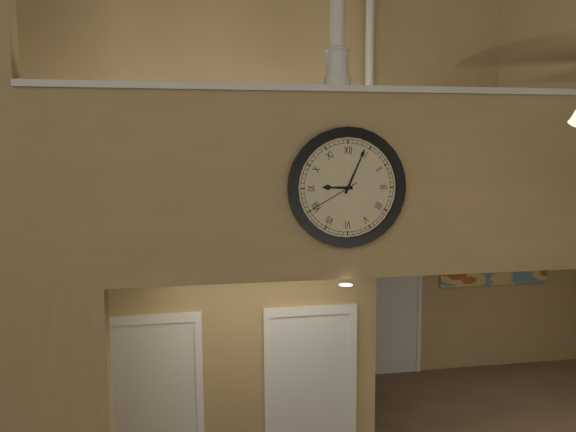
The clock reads 9,04,40
